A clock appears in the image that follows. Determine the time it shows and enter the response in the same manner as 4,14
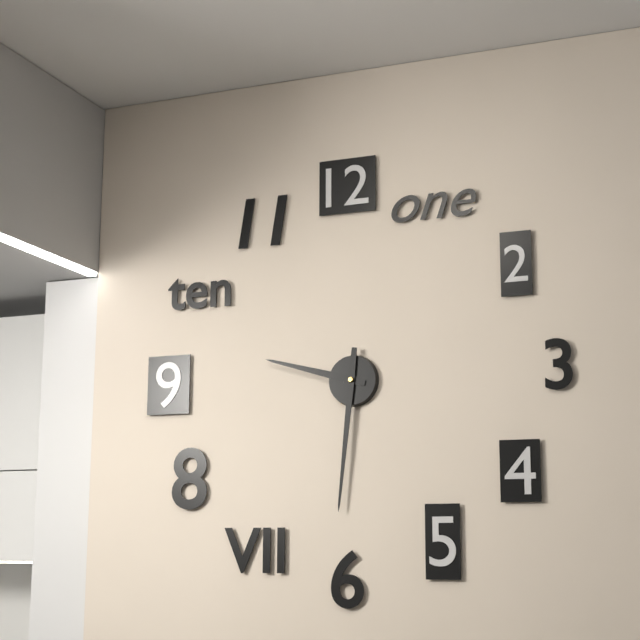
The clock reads 9,31
